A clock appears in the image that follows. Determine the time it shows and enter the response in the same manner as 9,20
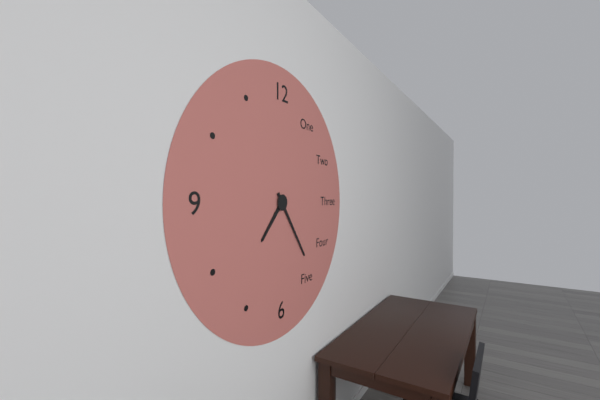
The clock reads 7,24
